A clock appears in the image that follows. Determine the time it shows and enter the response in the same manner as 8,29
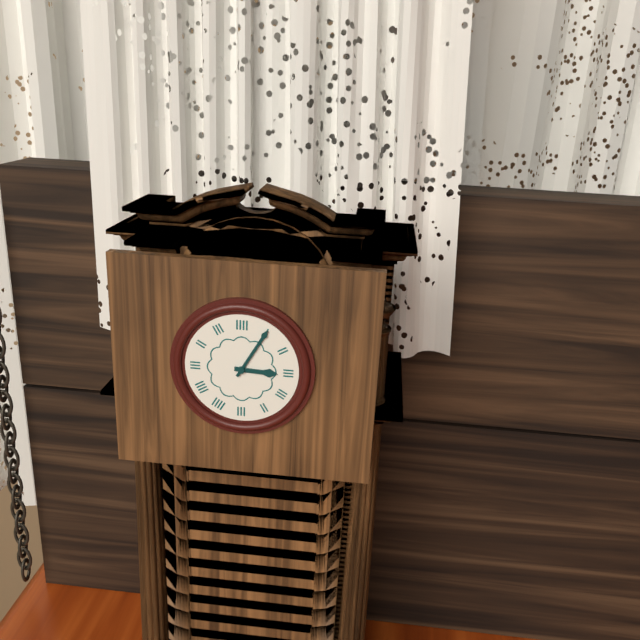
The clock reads 3,05
